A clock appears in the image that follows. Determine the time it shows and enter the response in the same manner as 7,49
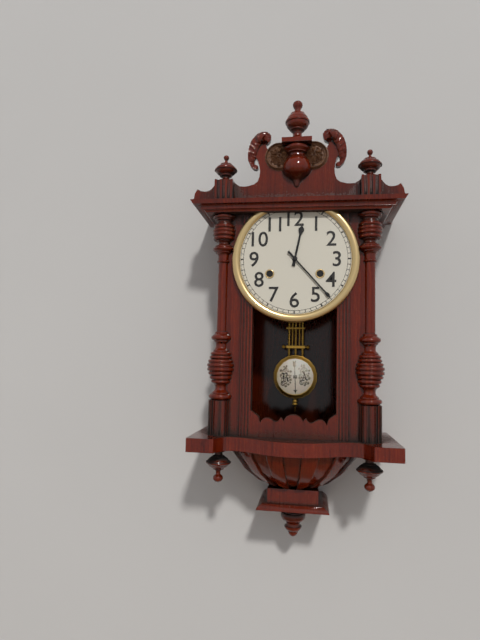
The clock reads 12,23
